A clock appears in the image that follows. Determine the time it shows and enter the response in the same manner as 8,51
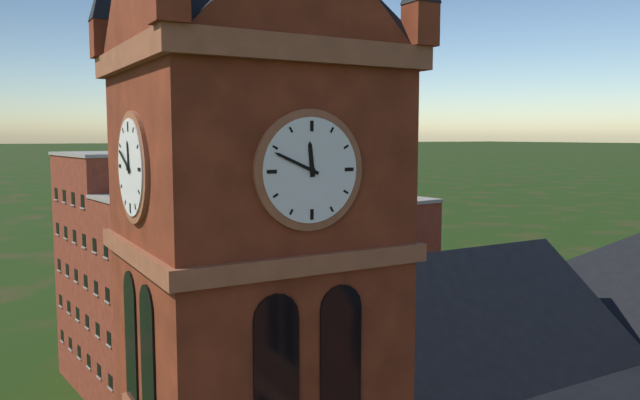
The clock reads 11,49
